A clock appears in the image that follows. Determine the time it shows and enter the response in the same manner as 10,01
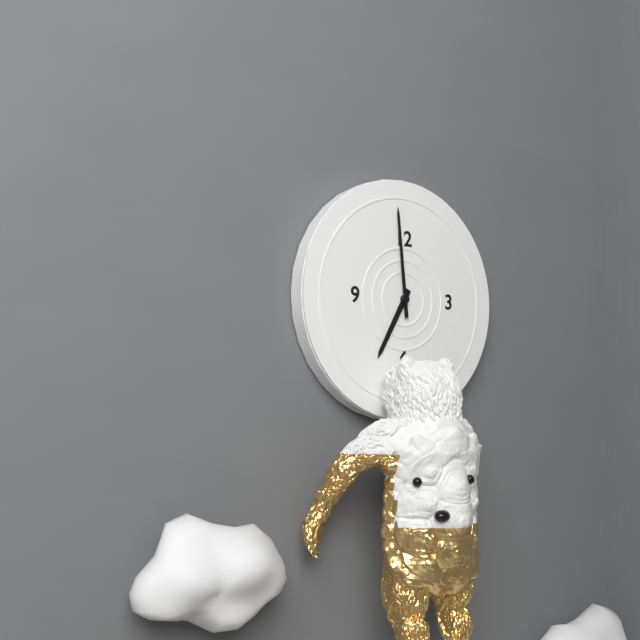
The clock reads 6,59
